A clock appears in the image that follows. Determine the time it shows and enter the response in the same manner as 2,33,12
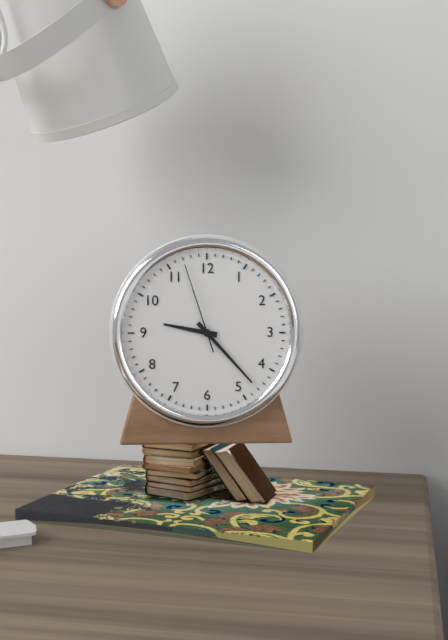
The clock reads 9,23,57
